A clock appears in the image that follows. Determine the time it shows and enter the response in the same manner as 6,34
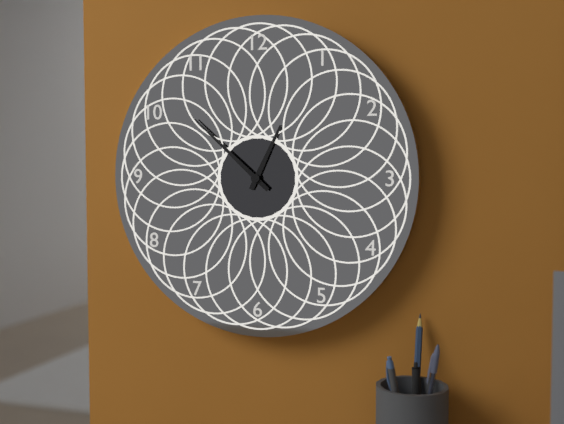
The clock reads 12,52
